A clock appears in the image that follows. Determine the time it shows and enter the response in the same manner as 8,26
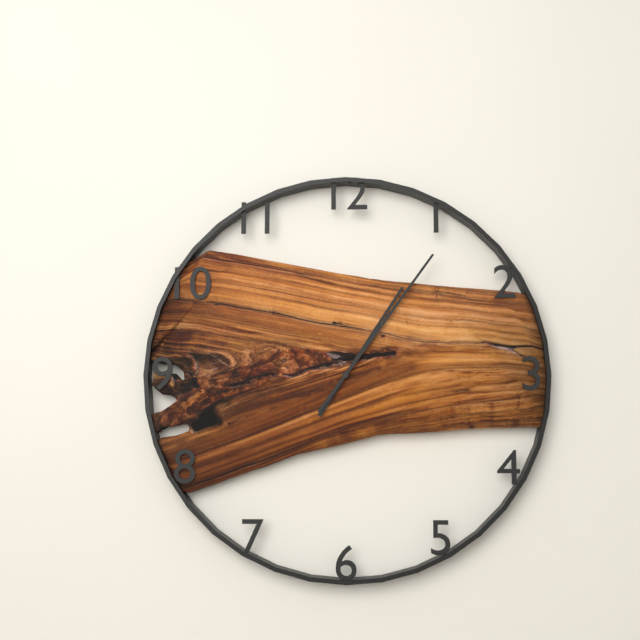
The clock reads 1,06
